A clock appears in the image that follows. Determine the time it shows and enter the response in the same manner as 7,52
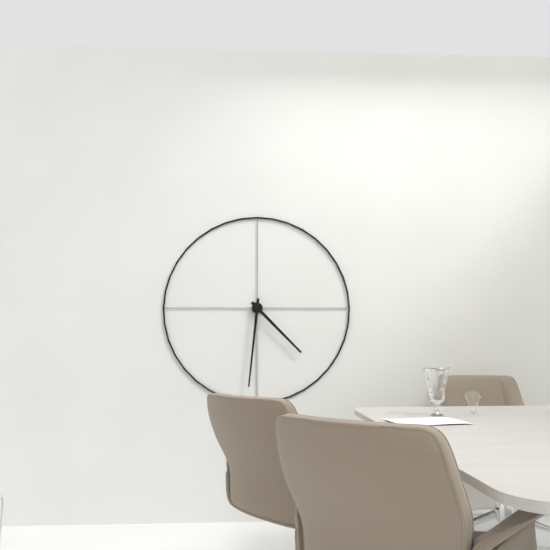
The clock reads 4,31
